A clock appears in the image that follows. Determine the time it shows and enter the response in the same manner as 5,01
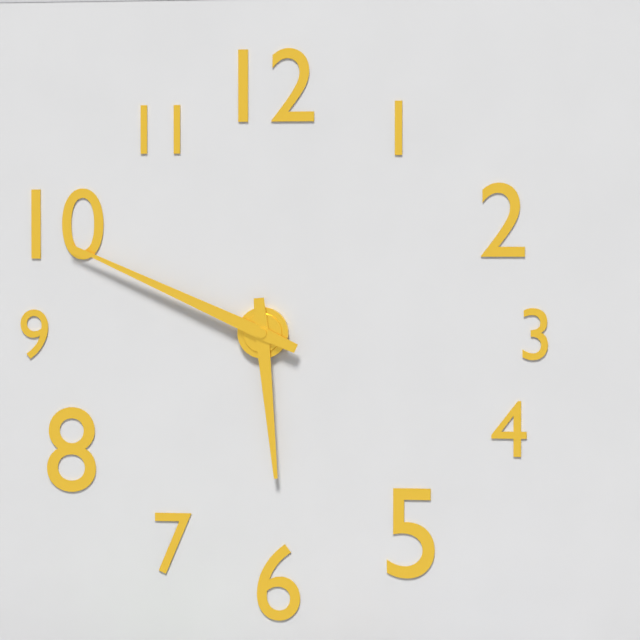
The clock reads 5,49
